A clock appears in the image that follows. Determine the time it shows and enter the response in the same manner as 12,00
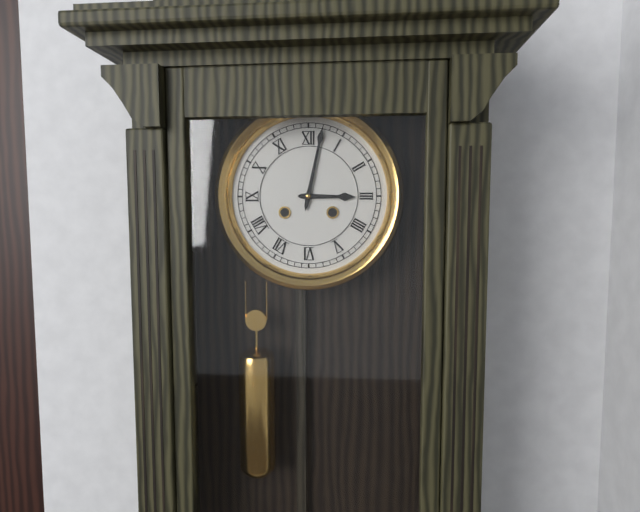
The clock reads 3,02
